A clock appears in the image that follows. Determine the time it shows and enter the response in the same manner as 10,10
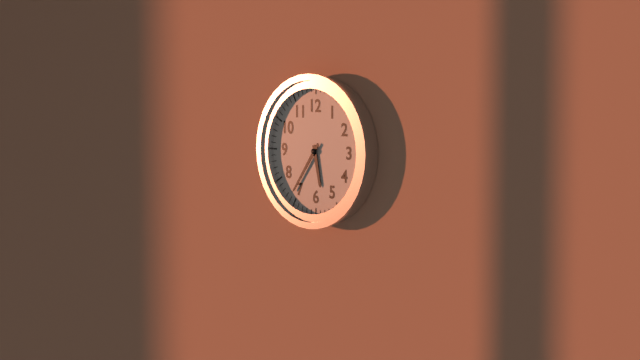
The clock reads 5,36
